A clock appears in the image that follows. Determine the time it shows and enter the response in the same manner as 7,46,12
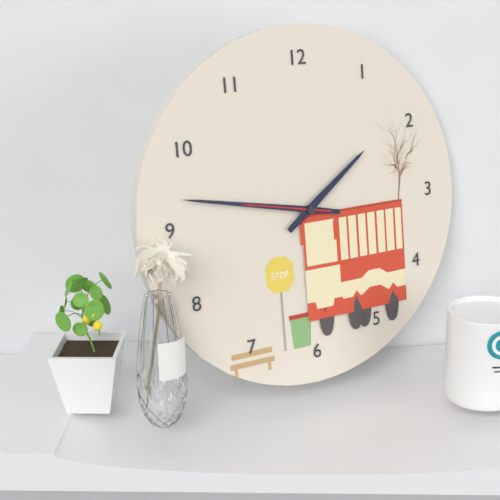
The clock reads 1,47,47
